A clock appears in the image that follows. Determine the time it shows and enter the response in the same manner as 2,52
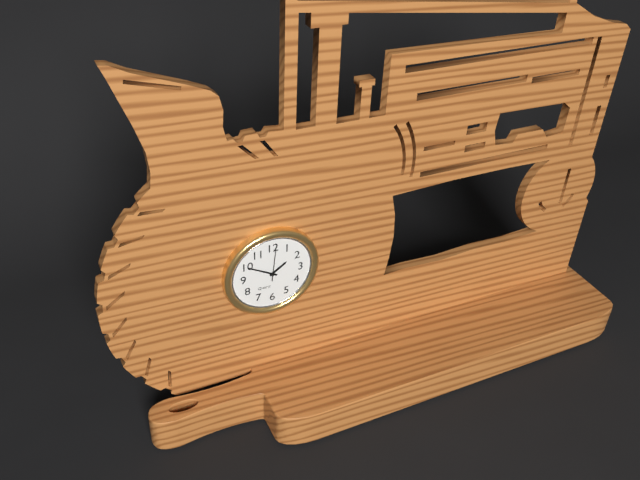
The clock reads 1,50
